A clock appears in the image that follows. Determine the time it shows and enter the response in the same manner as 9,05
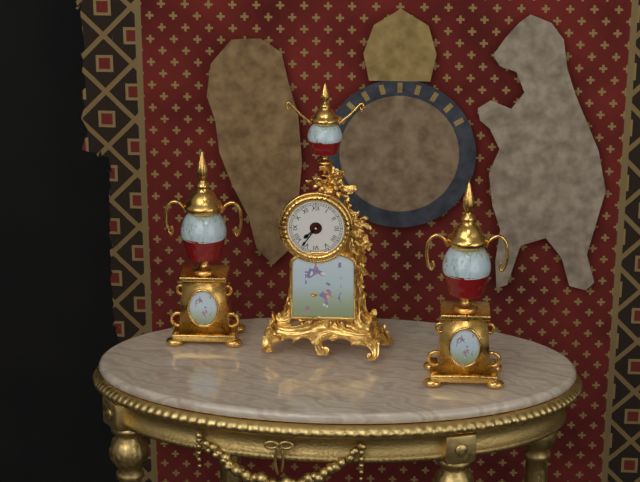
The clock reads 7,36
